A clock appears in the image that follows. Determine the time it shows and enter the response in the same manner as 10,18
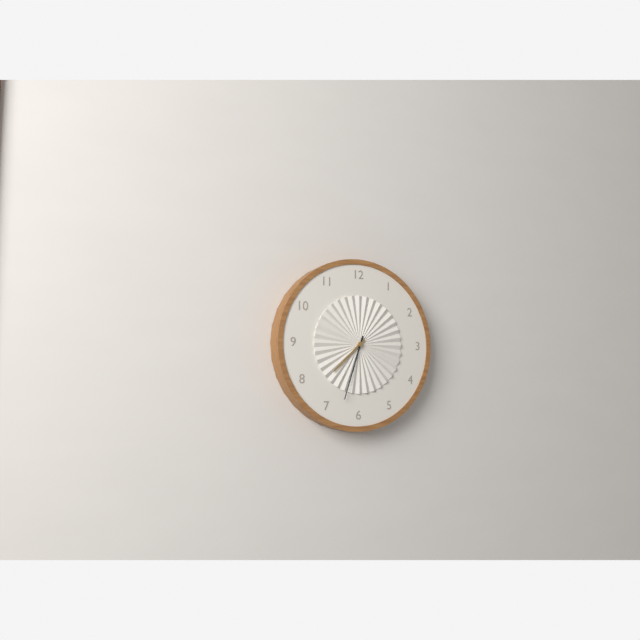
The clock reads 7,33
